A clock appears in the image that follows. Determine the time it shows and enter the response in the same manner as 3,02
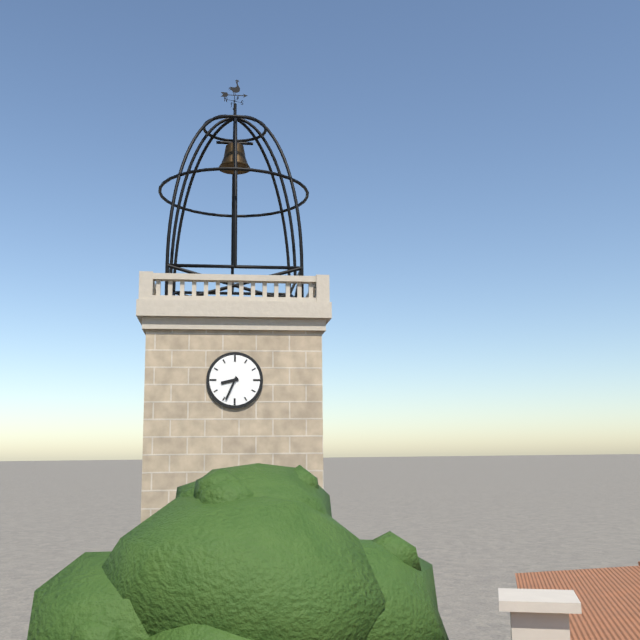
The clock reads 8,34
